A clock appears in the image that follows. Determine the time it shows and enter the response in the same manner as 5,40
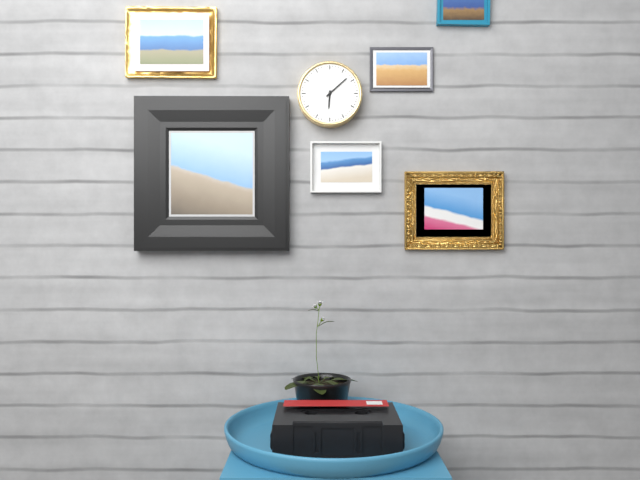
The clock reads 6,08
